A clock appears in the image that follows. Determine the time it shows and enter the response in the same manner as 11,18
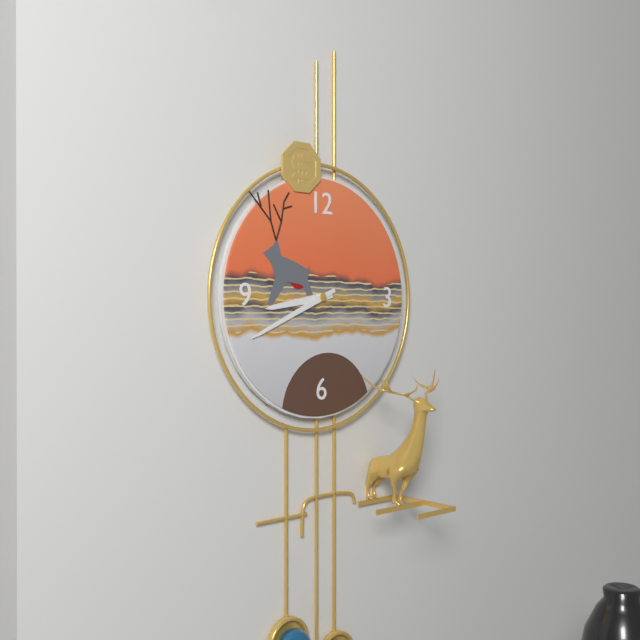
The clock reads 8,41
